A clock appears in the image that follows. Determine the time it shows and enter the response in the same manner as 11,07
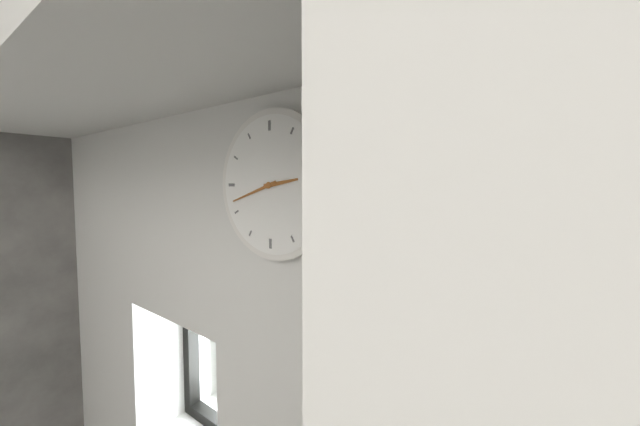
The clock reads 2,42
